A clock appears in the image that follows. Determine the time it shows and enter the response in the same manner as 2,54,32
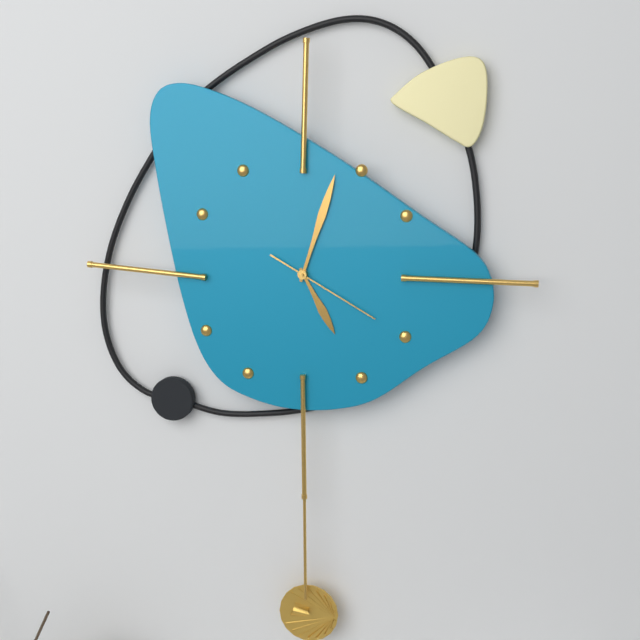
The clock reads 5,03,20
